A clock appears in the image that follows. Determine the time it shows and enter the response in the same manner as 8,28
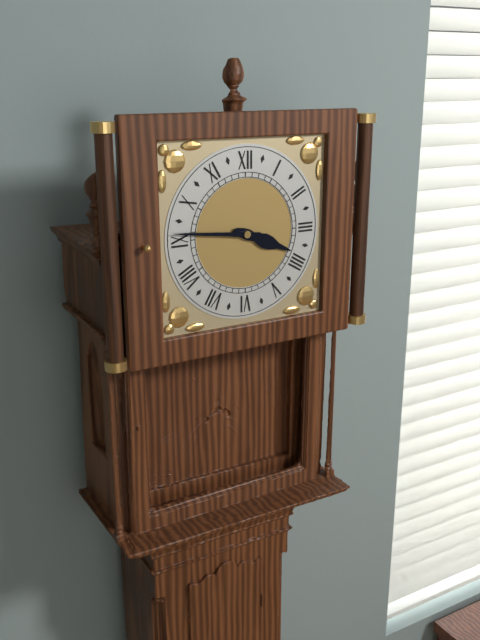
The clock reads 3,46
